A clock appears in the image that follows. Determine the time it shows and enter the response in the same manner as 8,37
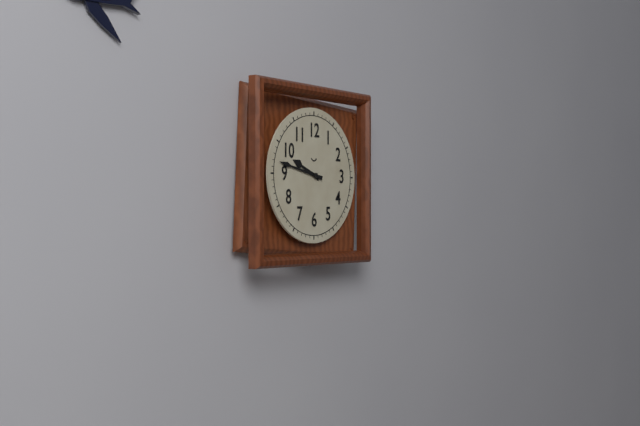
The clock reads 9,47
